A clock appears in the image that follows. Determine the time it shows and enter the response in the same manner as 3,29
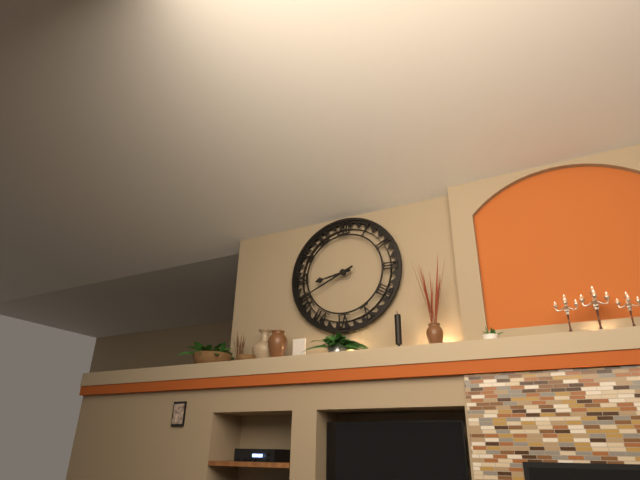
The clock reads 8,41
